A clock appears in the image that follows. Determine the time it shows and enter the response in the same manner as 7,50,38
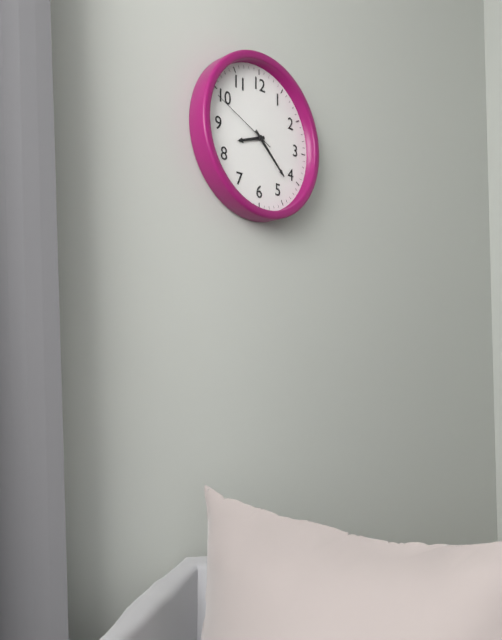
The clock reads 8,22,49
